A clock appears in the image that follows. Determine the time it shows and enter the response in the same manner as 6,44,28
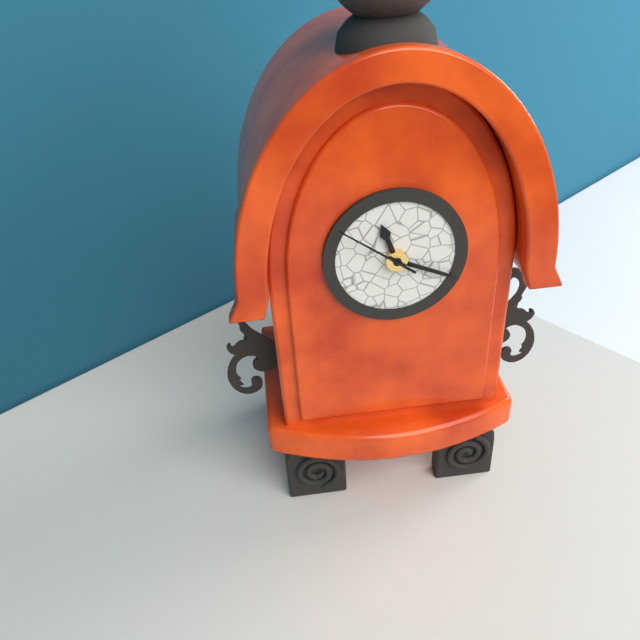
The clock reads 11,19,51
